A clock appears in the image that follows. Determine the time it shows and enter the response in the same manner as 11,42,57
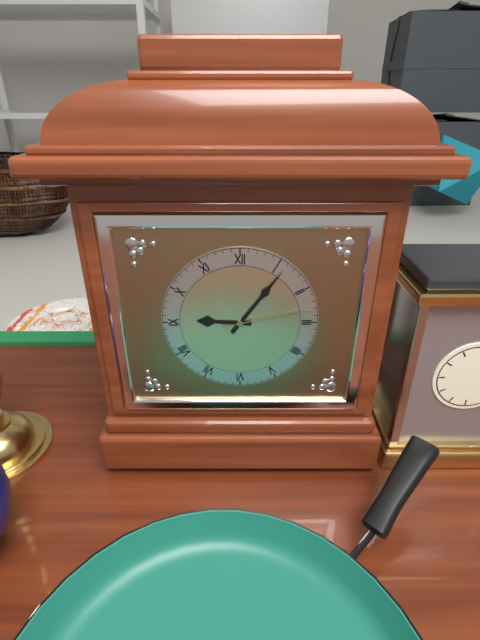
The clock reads 9,06,13
